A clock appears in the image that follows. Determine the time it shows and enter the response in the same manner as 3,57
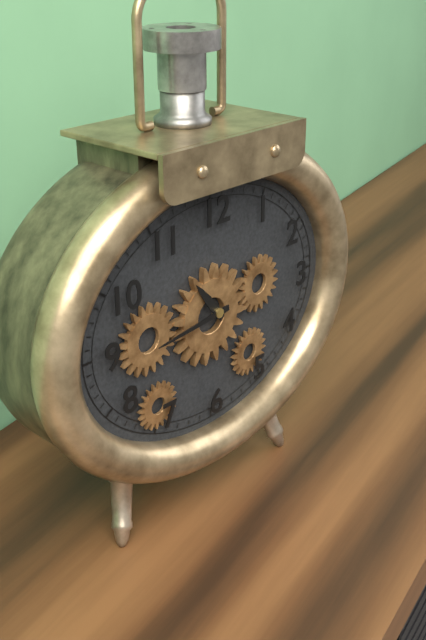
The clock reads 10,44
